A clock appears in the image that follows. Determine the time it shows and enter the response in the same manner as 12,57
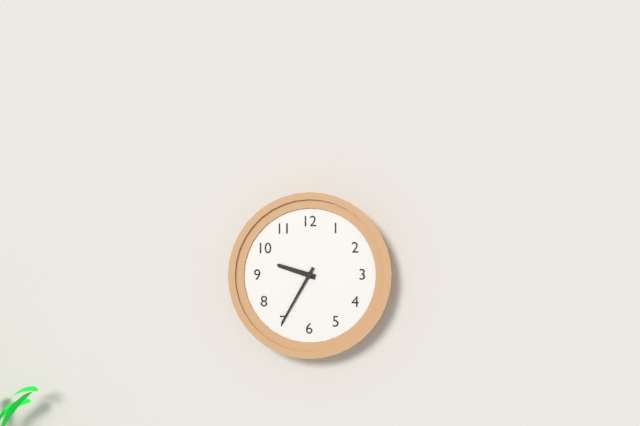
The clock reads 9,35
